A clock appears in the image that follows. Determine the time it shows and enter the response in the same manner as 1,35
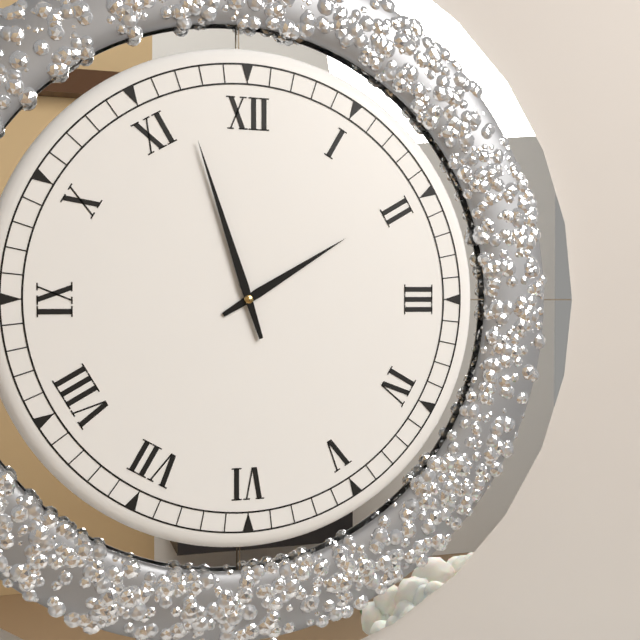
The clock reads 1,57
